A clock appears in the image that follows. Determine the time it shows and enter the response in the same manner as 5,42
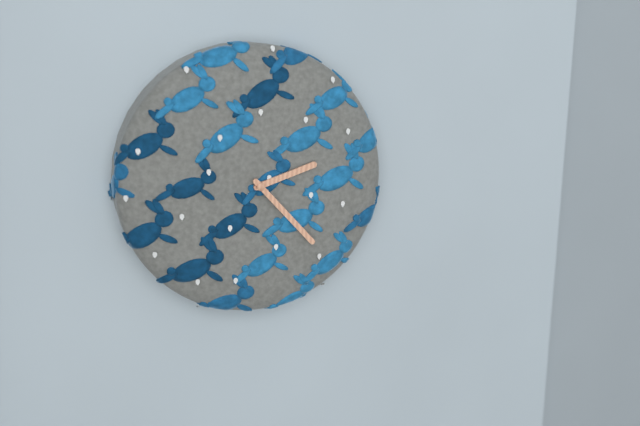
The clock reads 2,23
